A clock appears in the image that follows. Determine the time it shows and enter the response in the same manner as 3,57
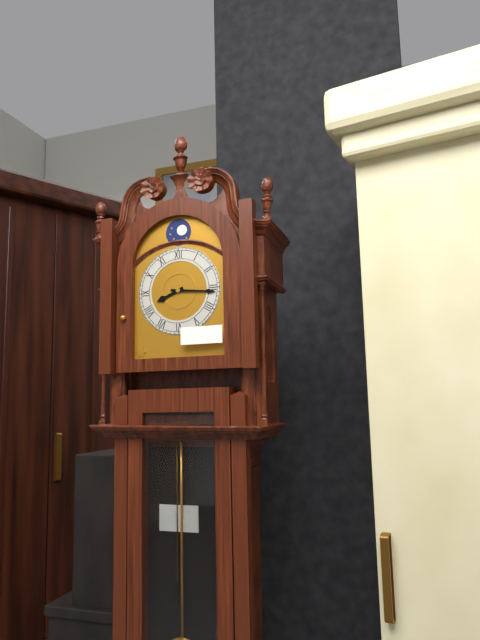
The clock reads 8,16
